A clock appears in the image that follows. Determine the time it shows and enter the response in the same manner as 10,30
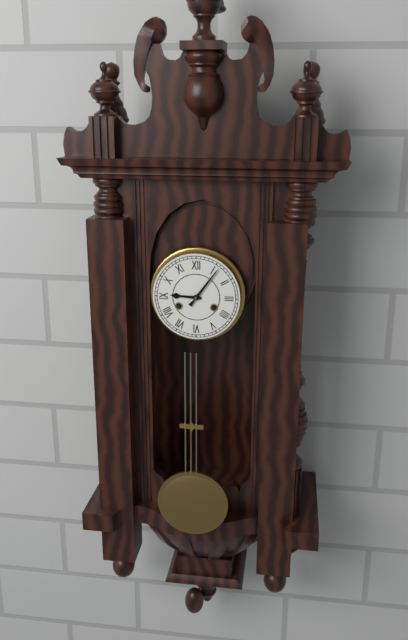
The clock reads 9,06
